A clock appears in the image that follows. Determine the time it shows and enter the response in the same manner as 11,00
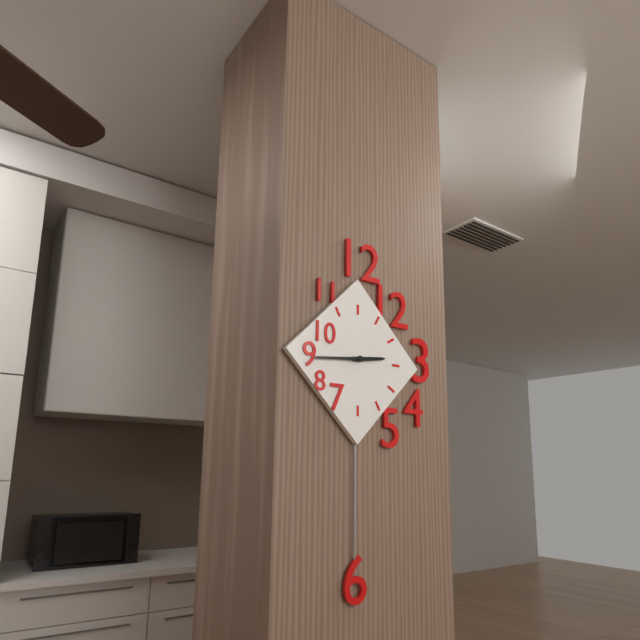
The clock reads 2,44
